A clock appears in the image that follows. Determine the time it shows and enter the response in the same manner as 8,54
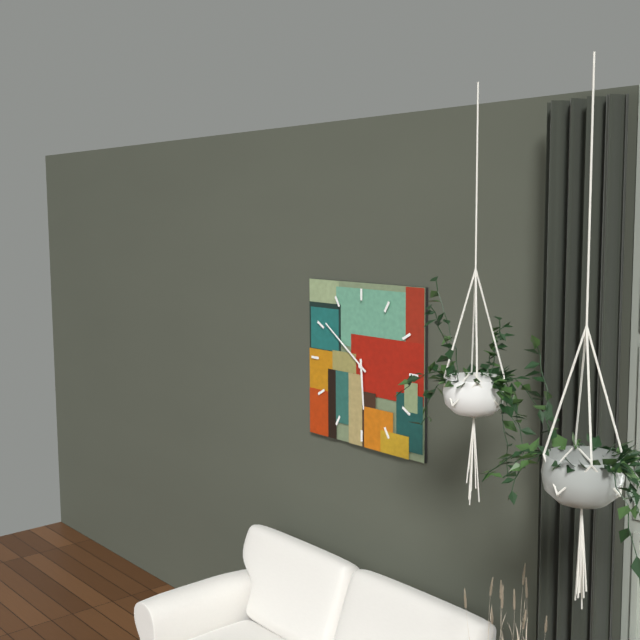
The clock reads 5,51
